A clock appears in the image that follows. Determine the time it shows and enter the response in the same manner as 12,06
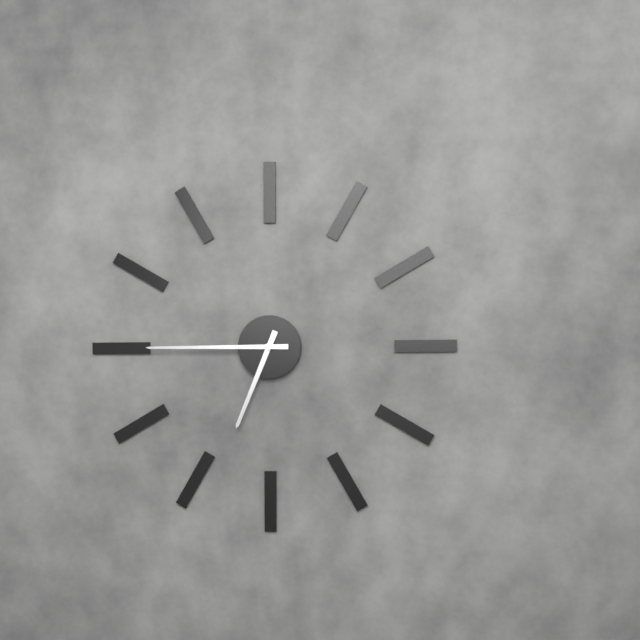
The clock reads 6,45
